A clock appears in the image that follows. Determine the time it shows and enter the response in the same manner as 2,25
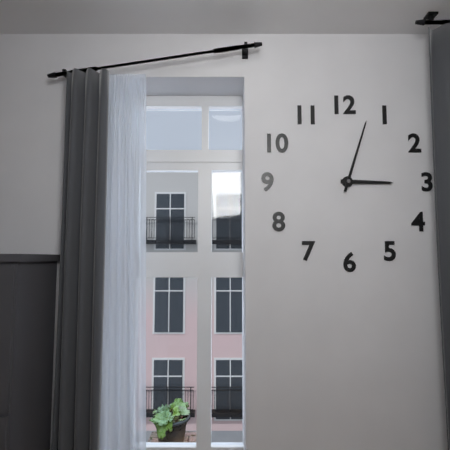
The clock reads 3,03
